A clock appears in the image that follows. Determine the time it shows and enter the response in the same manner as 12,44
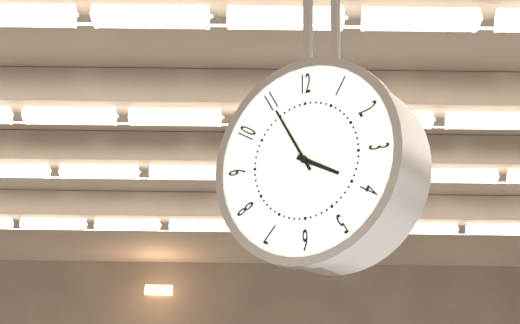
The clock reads 3,55
